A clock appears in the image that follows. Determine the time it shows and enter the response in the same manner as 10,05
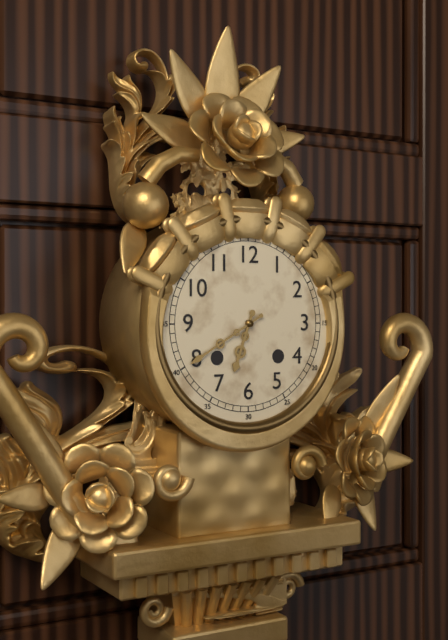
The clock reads 6,40
